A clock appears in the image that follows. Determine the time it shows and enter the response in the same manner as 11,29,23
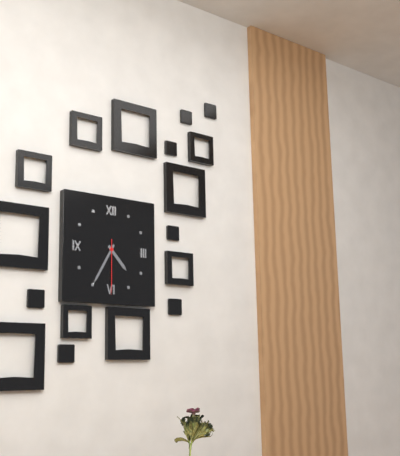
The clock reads 4,35,30
